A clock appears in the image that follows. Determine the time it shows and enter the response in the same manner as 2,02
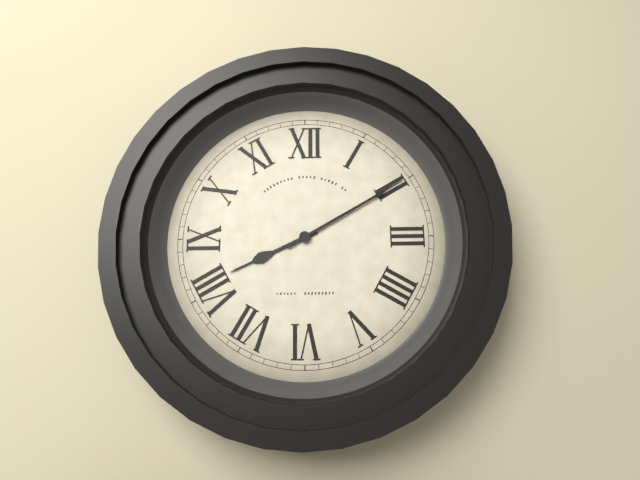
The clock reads 8,10
